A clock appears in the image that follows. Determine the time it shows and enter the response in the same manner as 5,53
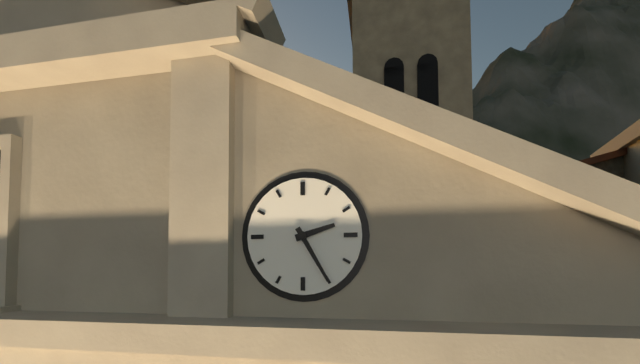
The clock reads 2,25
